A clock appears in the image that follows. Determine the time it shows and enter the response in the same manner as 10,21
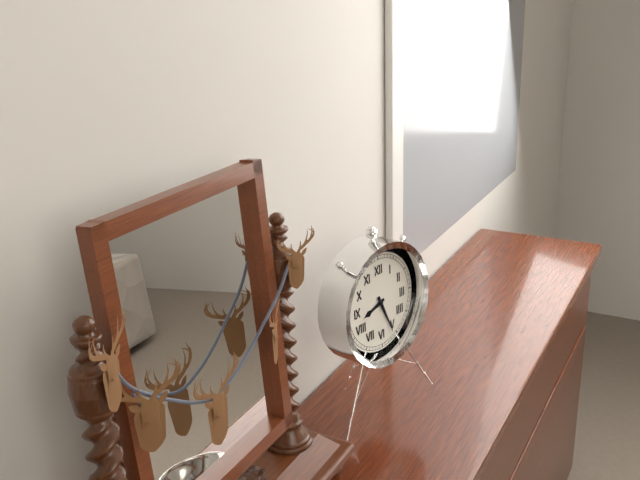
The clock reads 8,26
